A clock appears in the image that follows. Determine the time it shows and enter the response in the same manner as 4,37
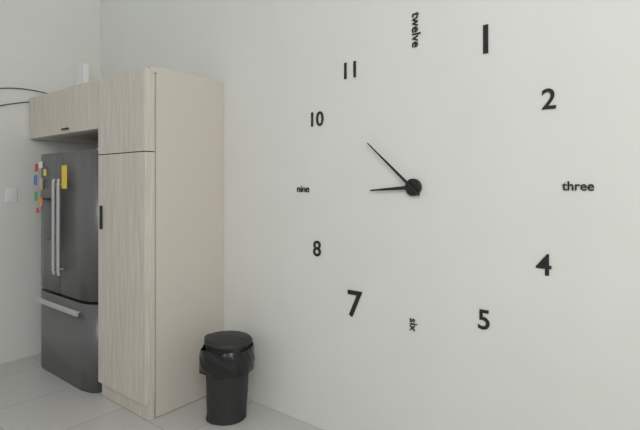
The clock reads 8,52
